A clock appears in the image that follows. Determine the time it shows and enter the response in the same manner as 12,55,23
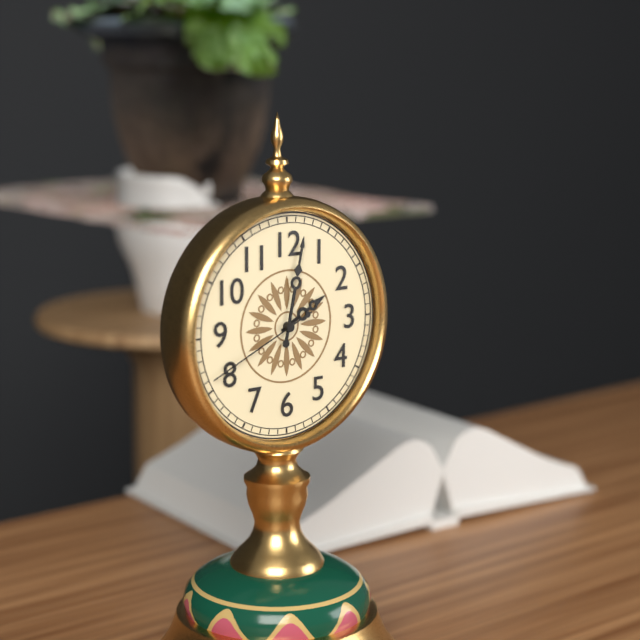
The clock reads 2,02,41
